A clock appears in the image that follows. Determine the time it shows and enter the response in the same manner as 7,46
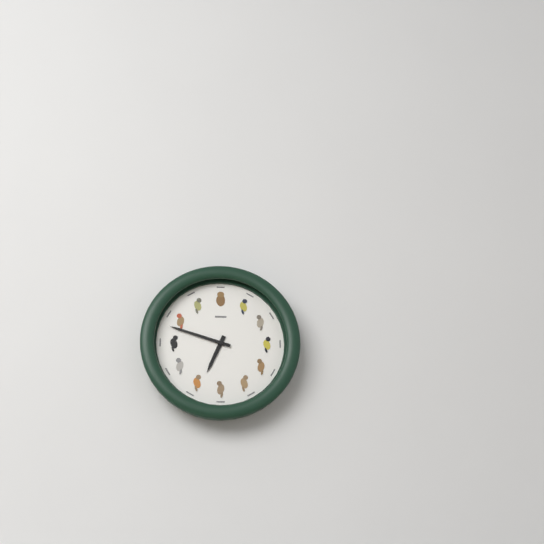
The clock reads 6,48
